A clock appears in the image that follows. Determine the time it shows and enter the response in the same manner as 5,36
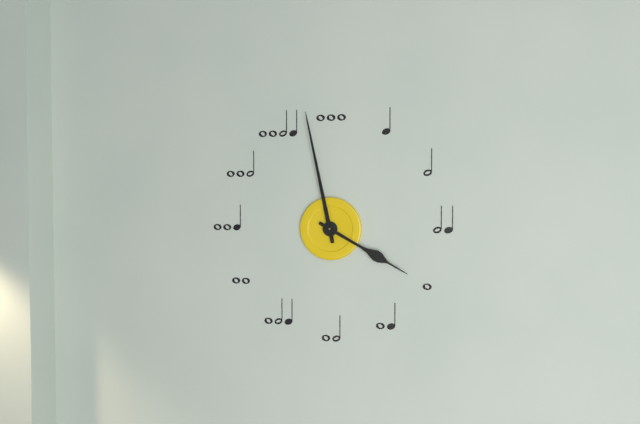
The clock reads 3,58
